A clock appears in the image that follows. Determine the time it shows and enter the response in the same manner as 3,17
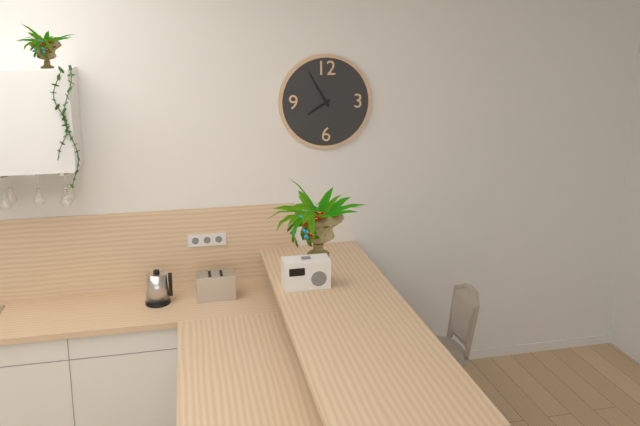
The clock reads 7,55
